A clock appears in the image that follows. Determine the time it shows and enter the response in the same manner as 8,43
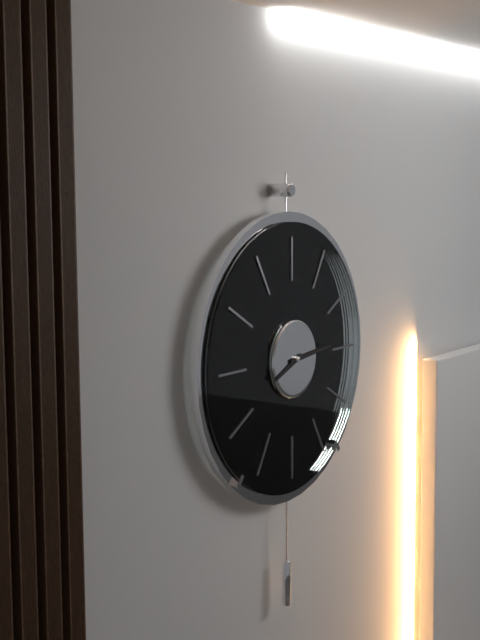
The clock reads 8,14
